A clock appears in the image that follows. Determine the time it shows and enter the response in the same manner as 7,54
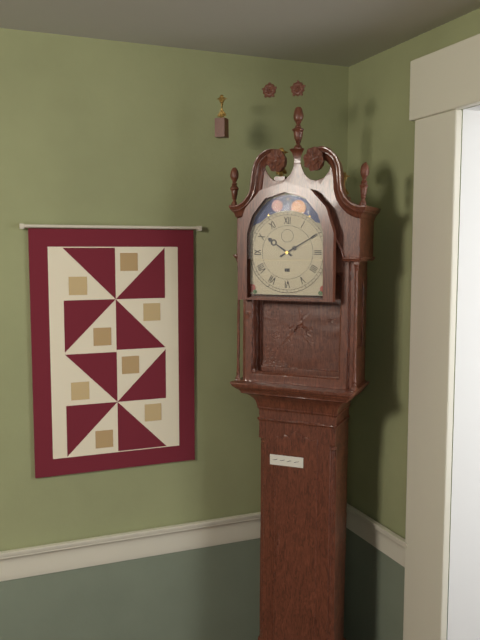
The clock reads 10,10
